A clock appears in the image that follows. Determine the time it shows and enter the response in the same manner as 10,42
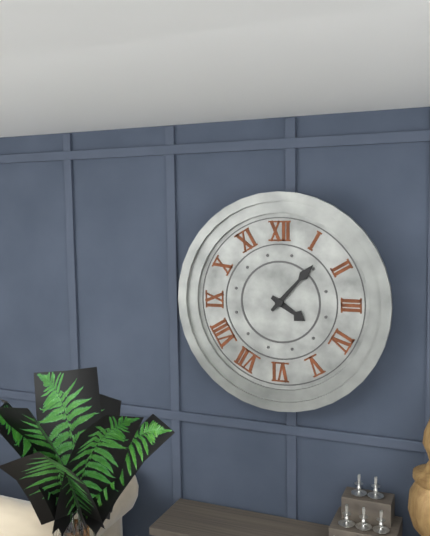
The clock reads 4,07
